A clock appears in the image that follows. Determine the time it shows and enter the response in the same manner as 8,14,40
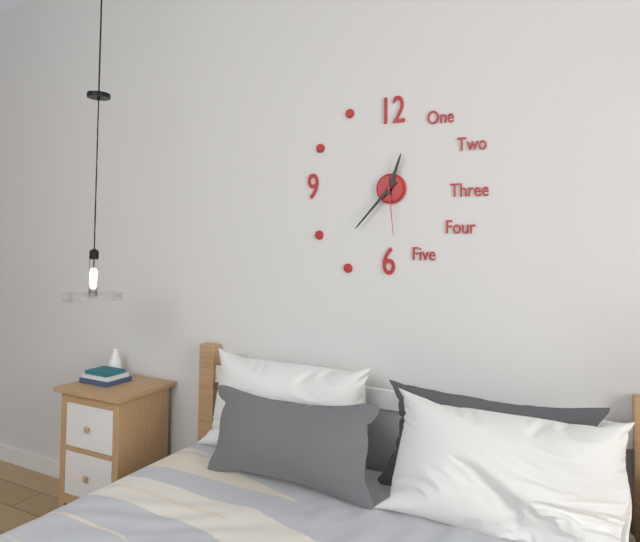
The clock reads 12,37,29
